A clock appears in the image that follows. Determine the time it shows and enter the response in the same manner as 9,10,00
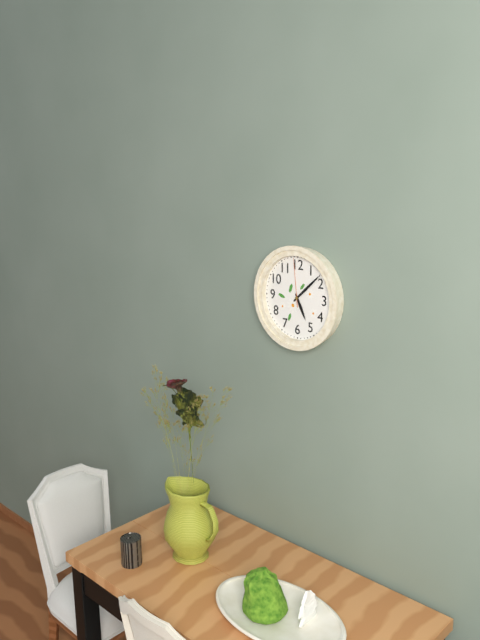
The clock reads 5,08,59
